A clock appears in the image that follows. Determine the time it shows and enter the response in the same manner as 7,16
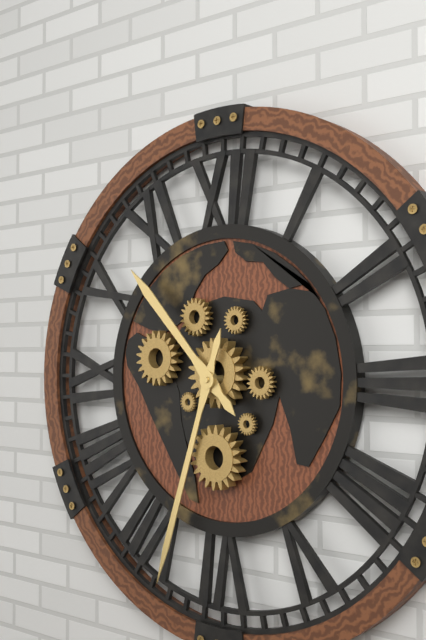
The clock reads 10,33
